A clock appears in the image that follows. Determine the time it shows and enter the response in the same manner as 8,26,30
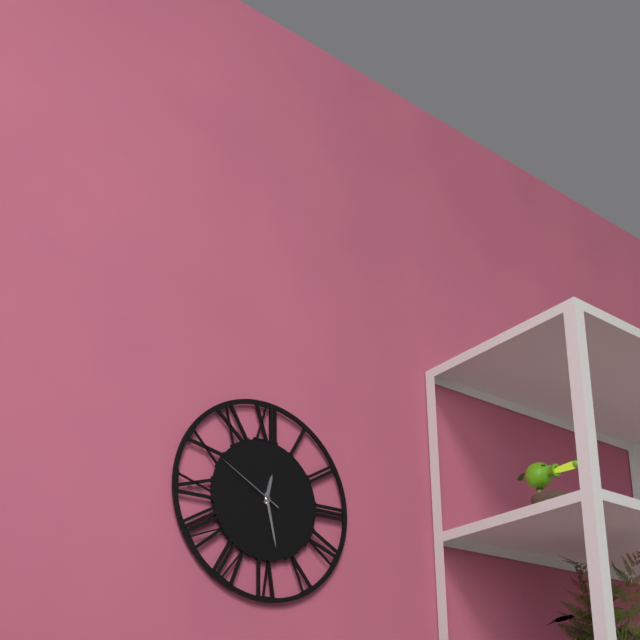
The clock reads 12,28,50
